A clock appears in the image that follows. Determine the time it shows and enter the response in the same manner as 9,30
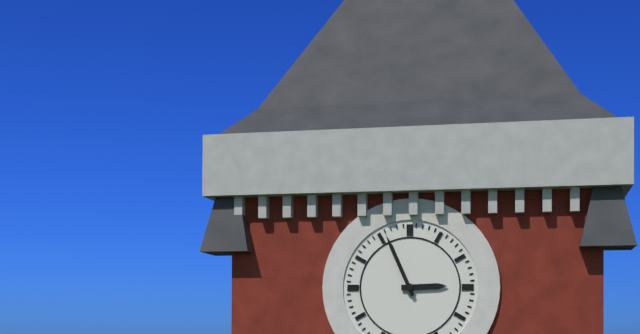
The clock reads 2,56
